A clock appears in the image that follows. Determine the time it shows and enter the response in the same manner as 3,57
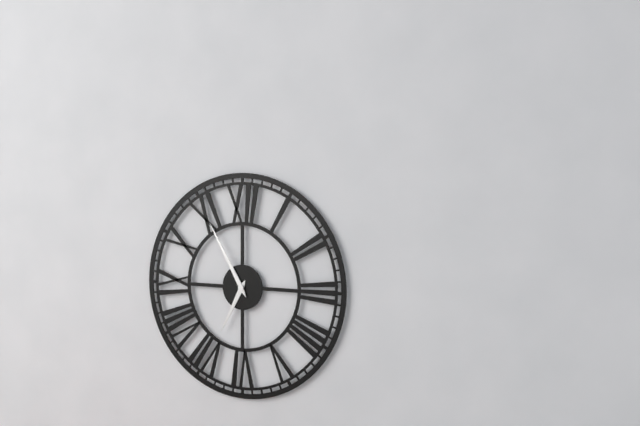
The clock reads 6,55
